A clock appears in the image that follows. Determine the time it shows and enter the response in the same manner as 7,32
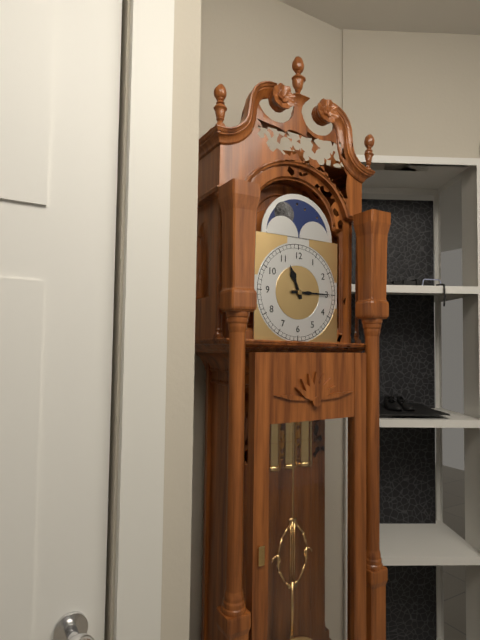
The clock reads 11,15
